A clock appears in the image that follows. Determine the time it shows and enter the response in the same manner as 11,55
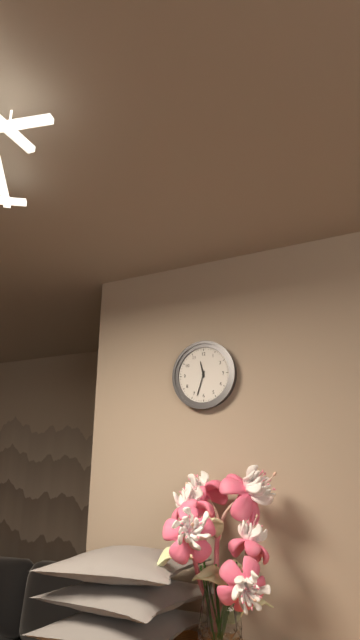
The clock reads 11,33
